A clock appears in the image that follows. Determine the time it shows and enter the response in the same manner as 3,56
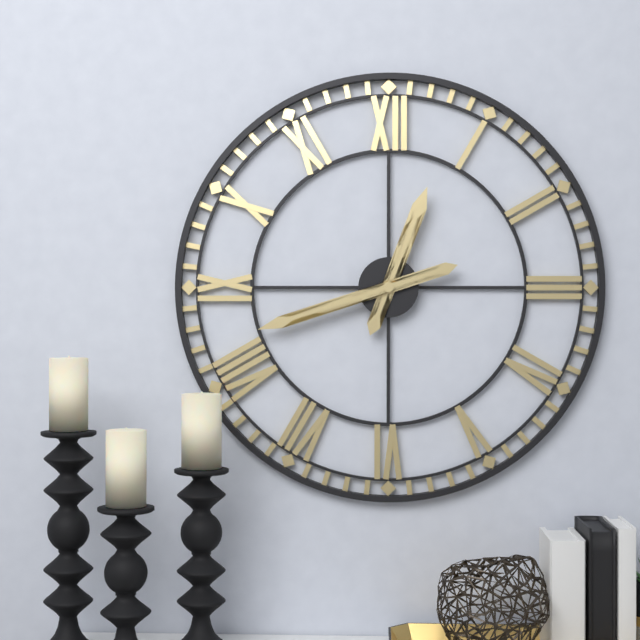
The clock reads 12,42
